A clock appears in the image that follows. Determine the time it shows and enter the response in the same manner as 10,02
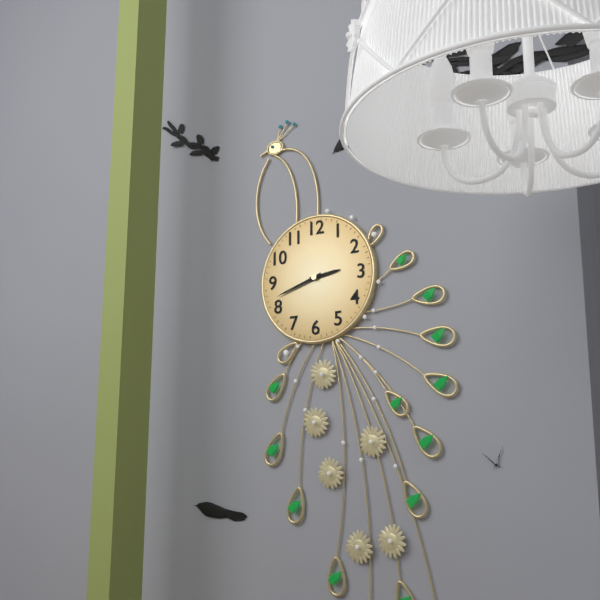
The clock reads 2,42
